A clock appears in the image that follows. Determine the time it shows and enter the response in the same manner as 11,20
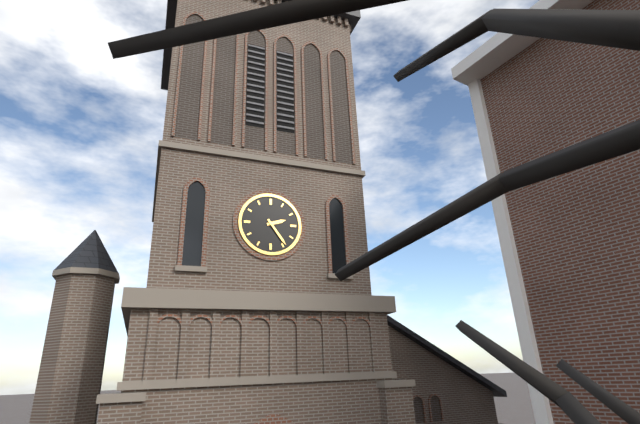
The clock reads 2,24
